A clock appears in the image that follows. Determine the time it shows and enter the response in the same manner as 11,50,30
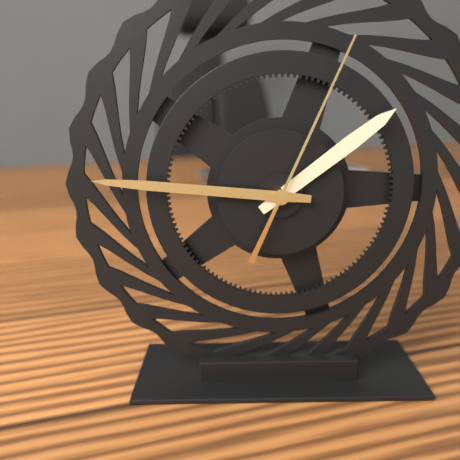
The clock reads 1,46,04
